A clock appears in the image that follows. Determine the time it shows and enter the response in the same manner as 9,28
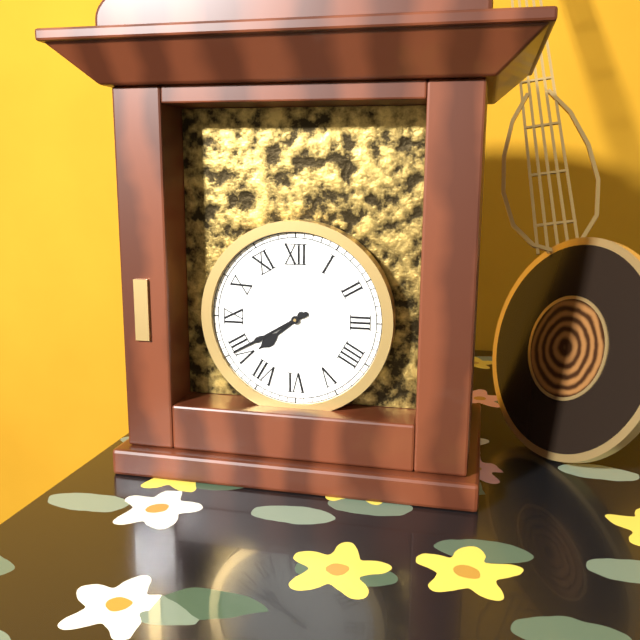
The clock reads 7,40
